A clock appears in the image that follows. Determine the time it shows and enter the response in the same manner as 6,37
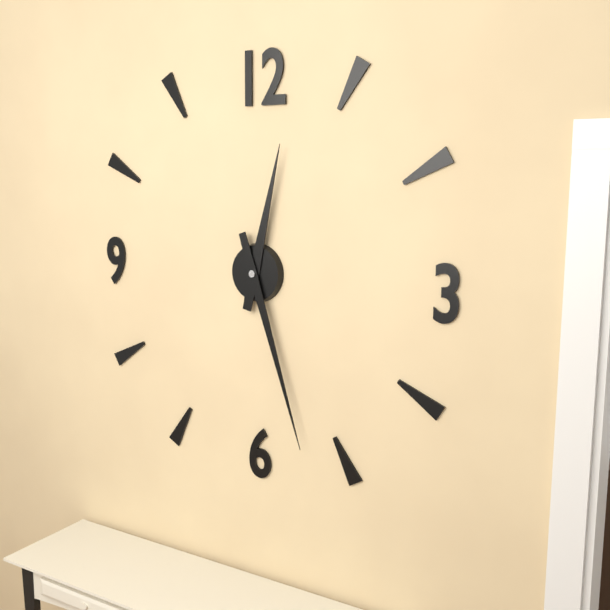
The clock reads 12,27
